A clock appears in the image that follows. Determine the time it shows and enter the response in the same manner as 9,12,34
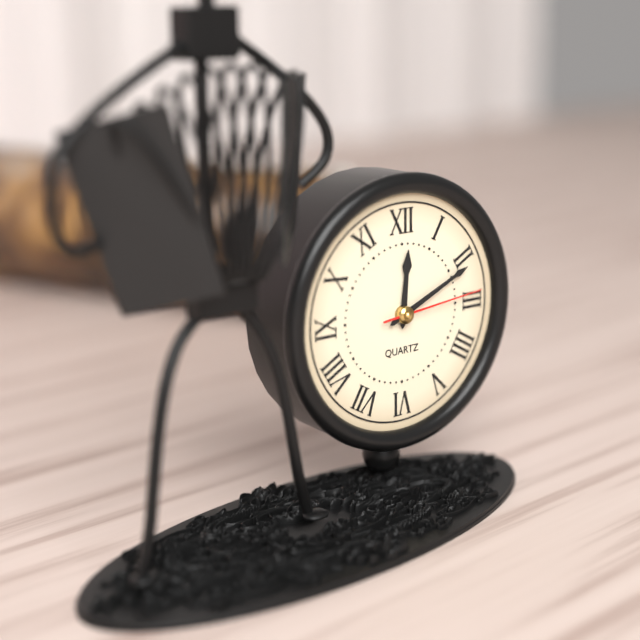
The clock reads 12,11,14
